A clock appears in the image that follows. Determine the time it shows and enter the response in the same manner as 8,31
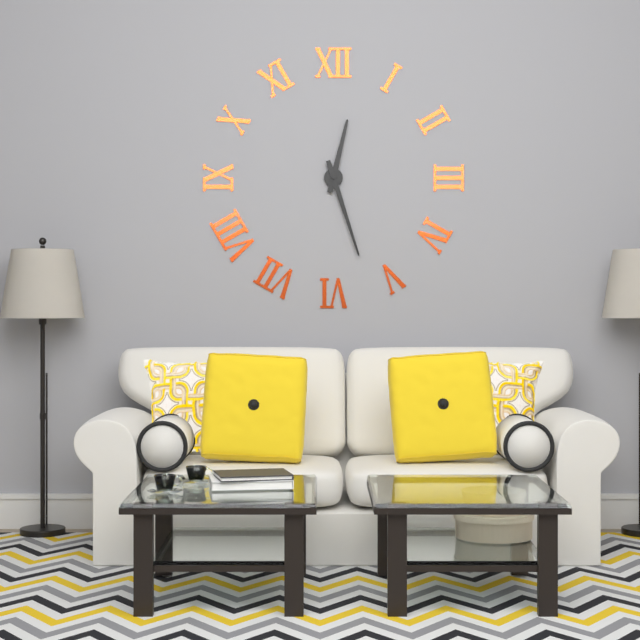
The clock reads 12,27
